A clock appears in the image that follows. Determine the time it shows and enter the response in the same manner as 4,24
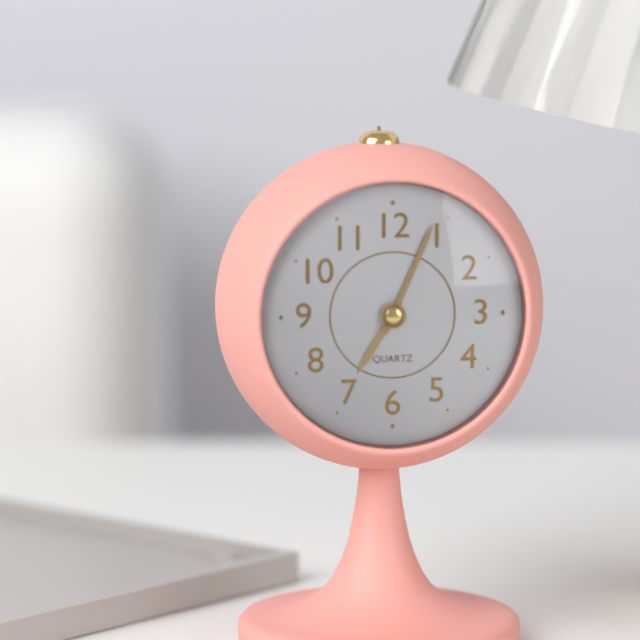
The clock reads 7,04
